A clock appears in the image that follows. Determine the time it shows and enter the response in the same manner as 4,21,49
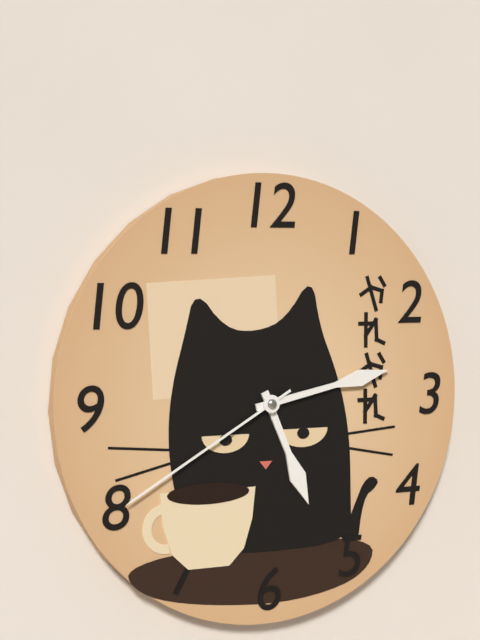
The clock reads 5,13,40
